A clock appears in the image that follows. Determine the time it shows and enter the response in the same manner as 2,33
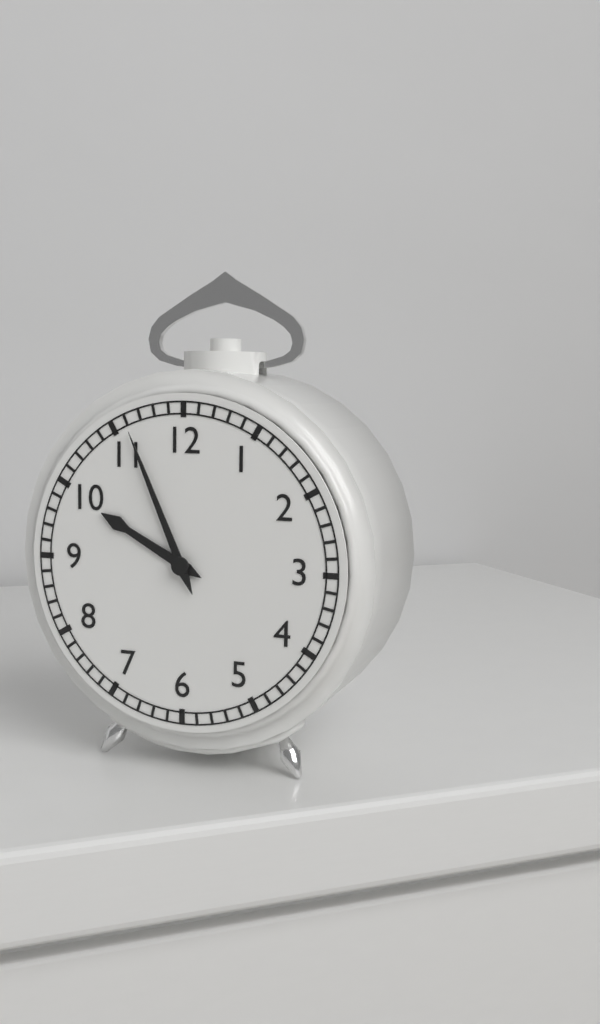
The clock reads 9,56
